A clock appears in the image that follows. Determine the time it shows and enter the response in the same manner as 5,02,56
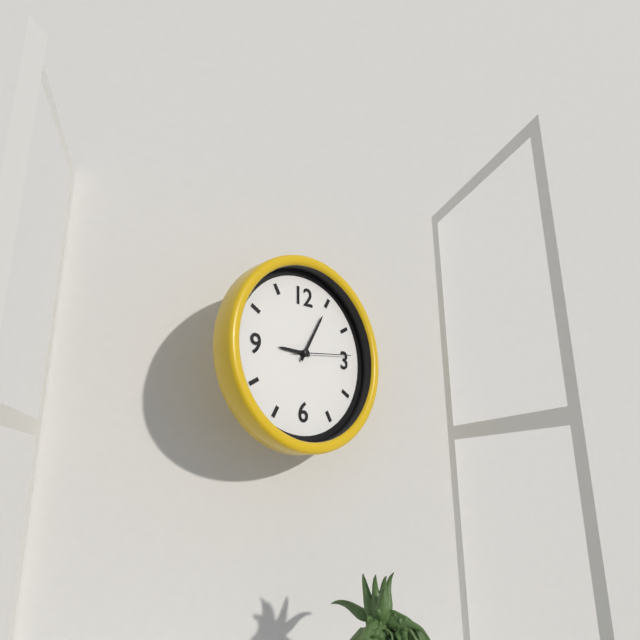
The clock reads 9,05,14
